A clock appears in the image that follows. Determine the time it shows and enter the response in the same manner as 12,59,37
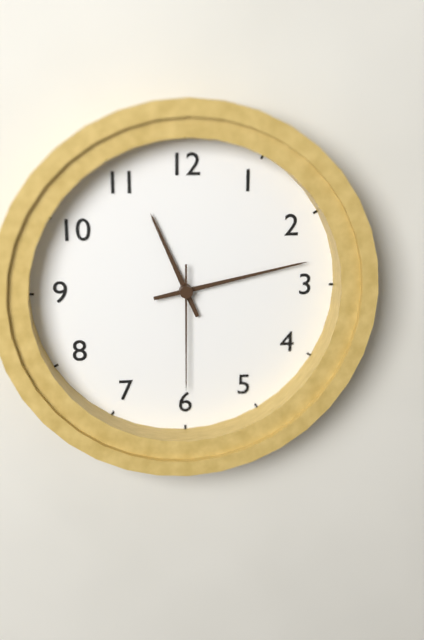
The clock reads 11,13,30
